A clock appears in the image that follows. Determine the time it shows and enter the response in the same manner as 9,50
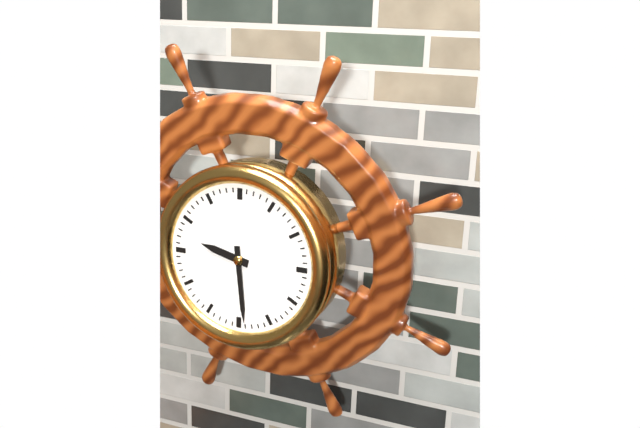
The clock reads 9,29
